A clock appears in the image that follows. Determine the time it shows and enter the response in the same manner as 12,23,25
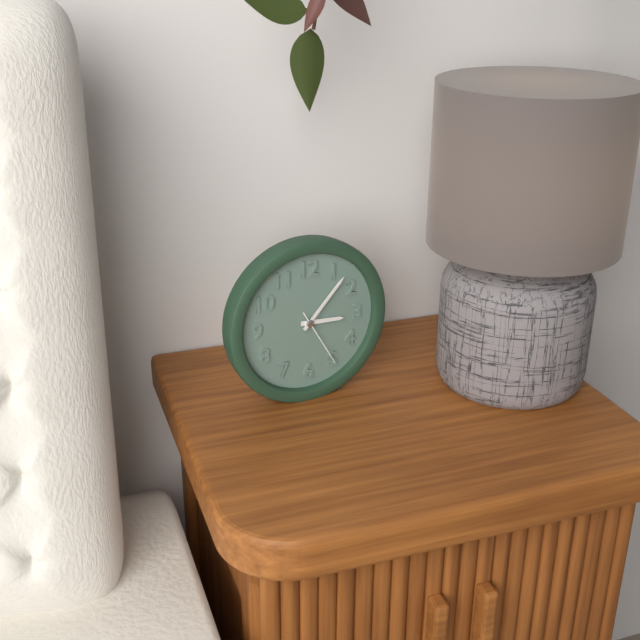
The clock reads 3,07,25
